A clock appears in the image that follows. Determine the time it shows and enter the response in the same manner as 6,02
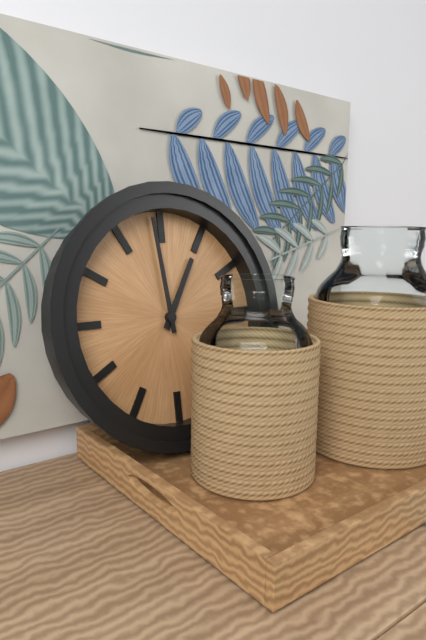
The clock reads 12,59
